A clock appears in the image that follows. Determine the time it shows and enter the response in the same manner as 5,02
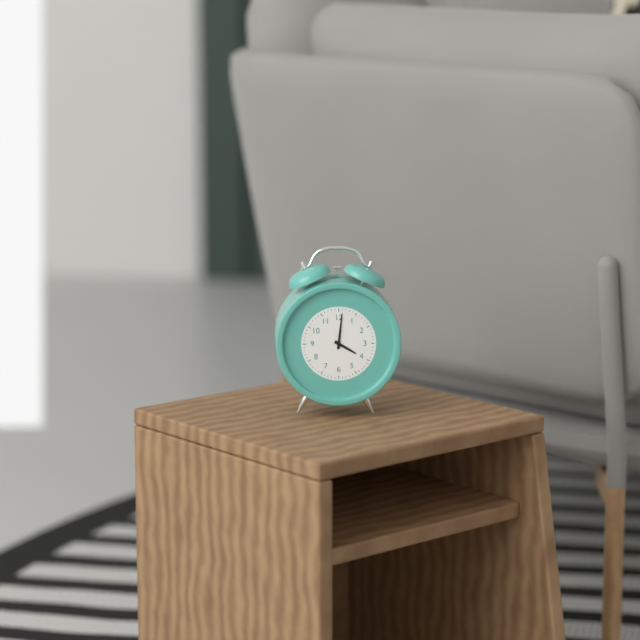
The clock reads 4,01
